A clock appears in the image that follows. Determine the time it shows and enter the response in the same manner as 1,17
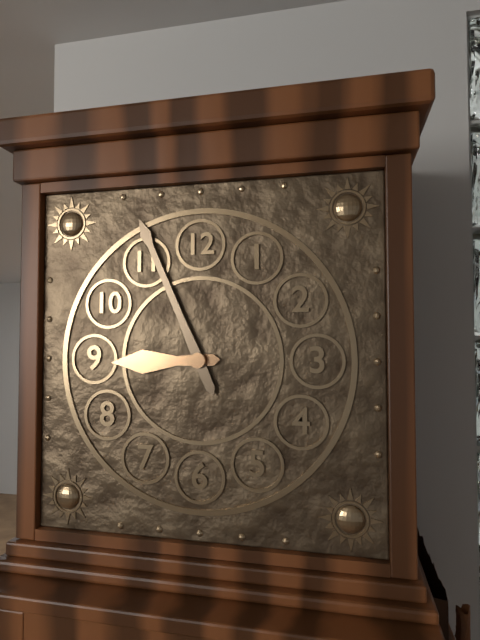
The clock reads 8,56
